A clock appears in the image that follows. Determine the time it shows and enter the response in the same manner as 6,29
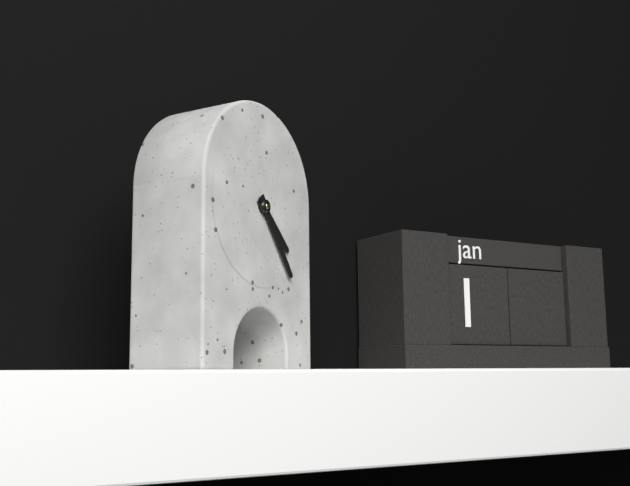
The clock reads 4,24
